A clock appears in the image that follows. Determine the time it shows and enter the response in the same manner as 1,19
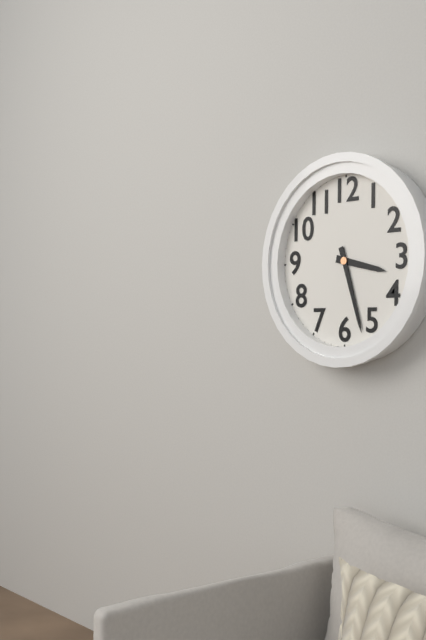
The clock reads 3,27
